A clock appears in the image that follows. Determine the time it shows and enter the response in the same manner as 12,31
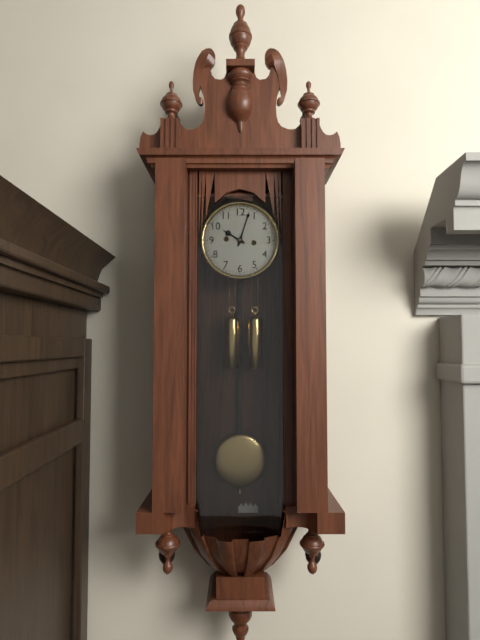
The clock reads 10,03
